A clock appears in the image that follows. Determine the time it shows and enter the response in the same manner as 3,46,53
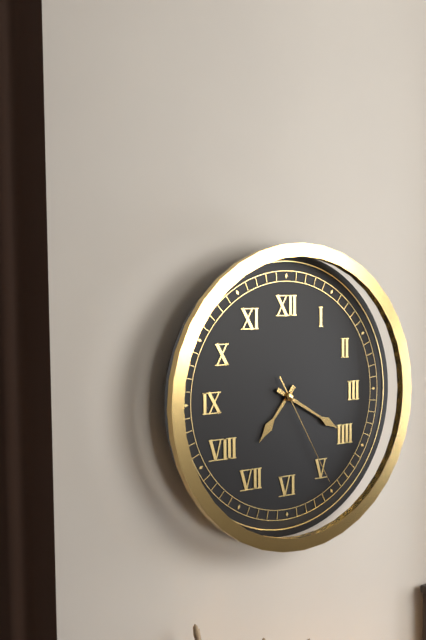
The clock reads 7,20,25
